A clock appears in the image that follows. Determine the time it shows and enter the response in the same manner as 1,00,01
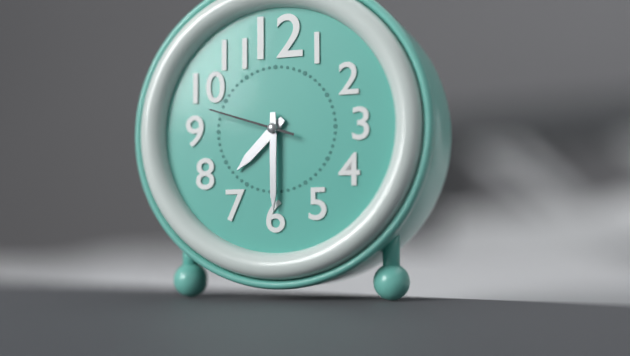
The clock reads 7,30,48
